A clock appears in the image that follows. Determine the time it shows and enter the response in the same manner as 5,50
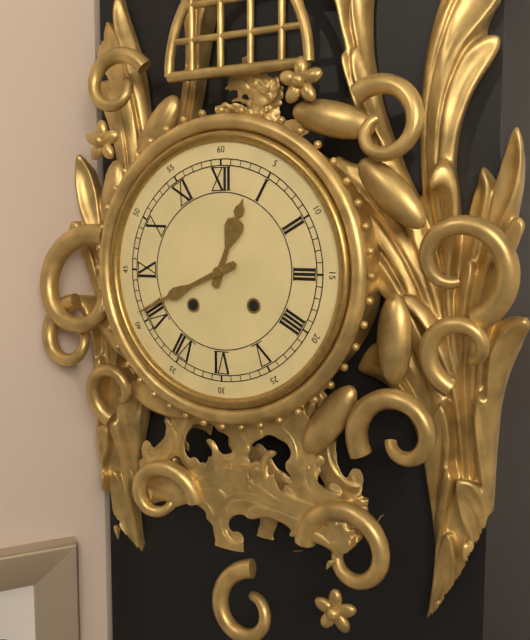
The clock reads 12,41
